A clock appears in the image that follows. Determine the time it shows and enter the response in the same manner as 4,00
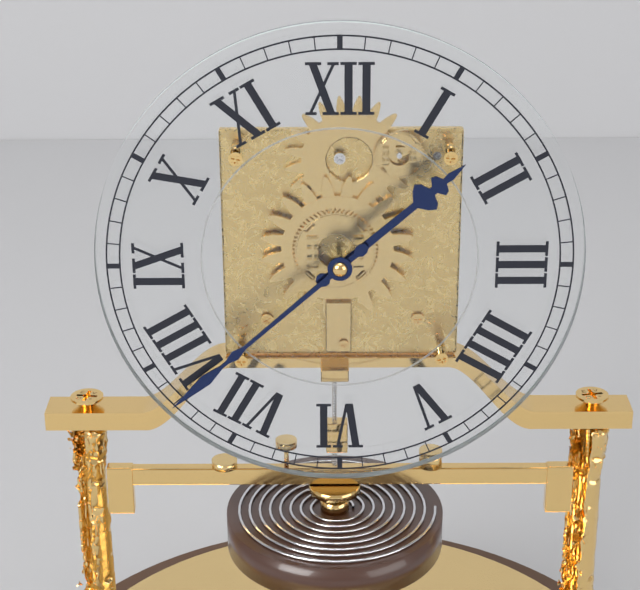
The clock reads 1,38
